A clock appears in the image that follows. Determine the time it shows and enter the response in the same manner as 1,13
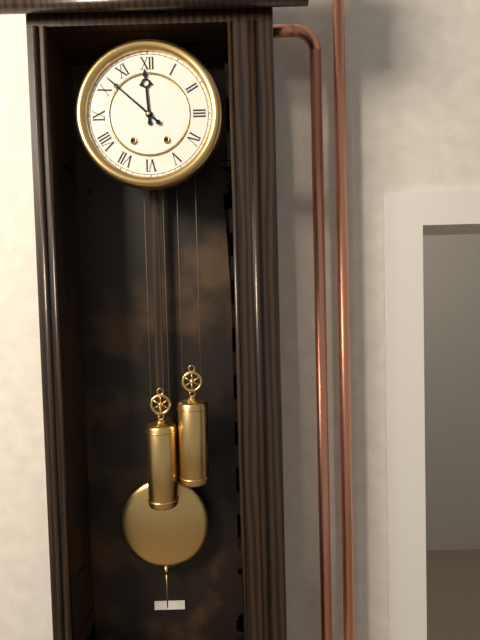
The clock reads 11,52
